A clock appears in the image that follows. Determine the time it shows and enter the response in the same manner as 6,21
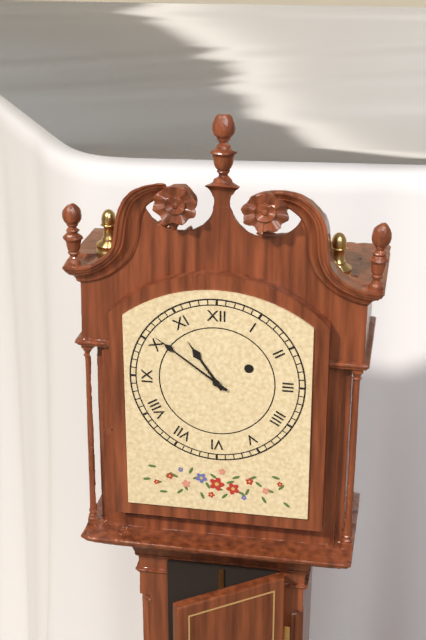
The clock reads 10,51
